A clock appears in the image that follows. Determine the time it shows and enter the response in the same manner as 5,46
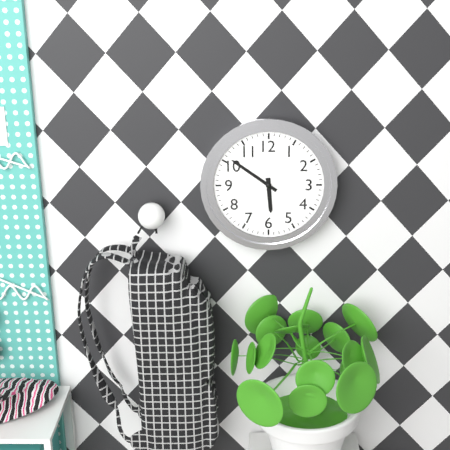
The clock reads 5,51
